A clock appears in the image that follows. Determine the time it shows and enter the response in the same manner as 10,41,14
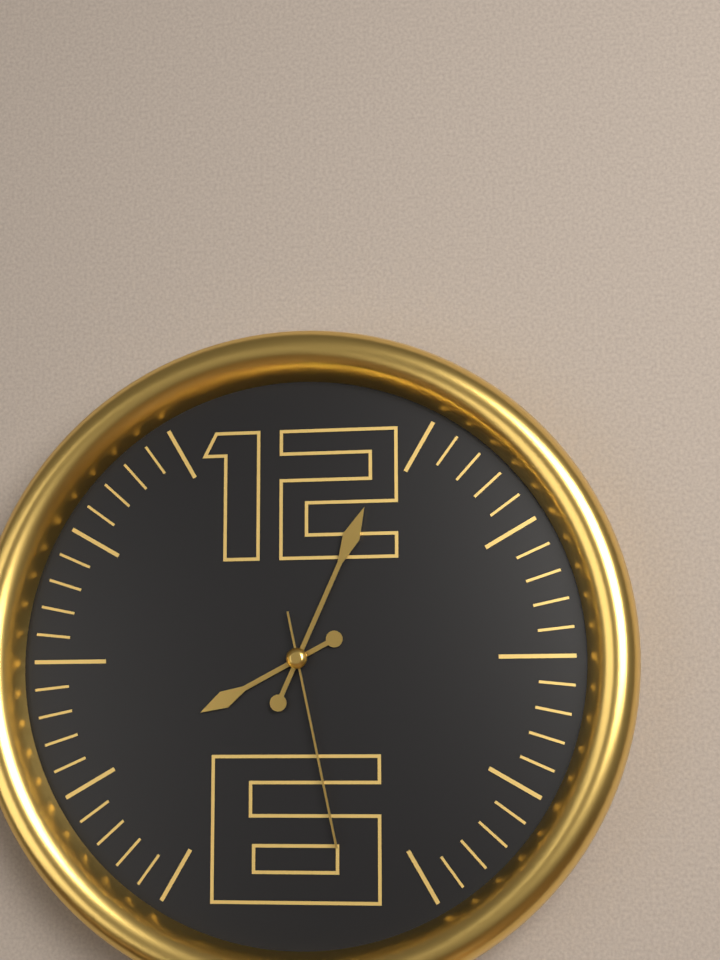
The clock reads 8,04,28
